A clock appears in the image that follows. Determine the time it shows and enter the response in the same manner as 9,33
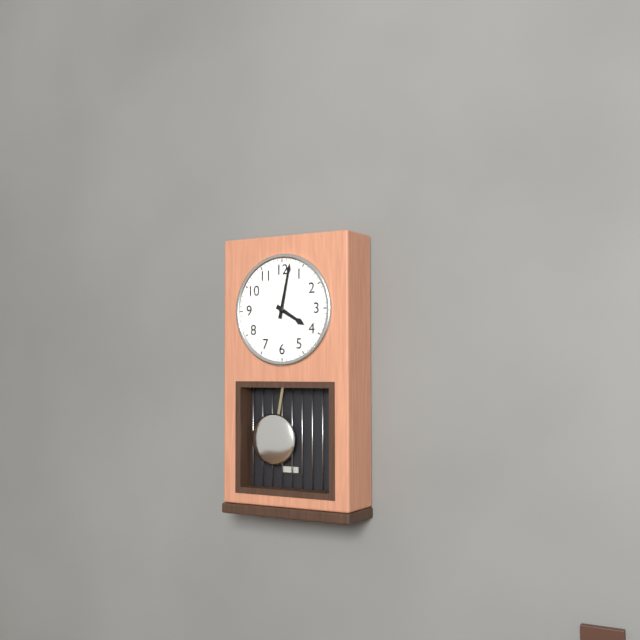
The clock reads 4,02
